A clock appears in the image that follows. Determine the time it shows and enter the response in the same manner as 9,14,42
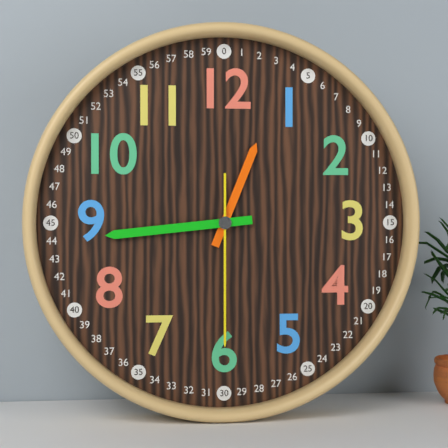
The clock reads 12,44,30
